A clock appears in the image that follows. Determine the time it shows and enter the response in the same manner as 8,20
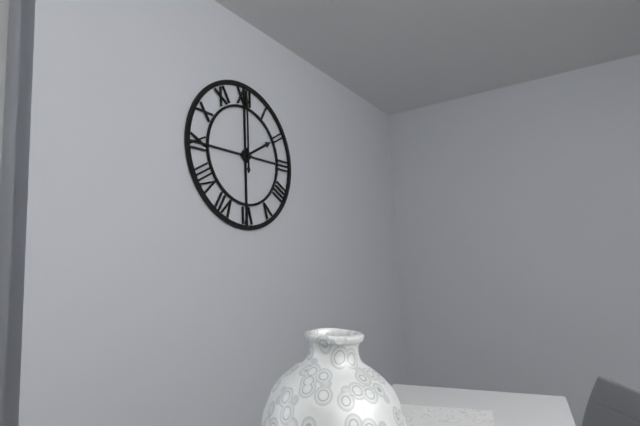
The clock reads 2,00
